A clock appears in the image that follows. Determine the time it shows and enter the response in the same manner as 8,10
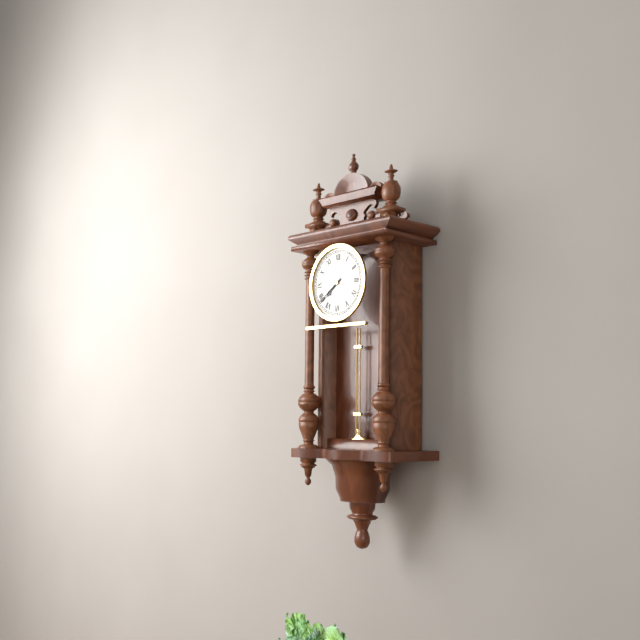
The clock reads 7,39
